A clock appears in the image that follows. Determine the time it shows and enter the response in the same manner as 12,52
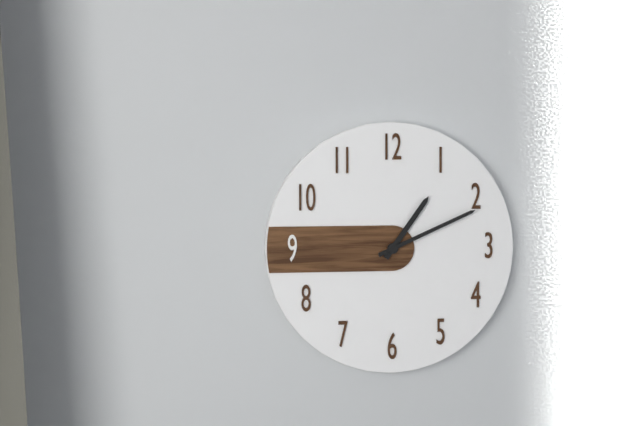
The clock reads 1,11
